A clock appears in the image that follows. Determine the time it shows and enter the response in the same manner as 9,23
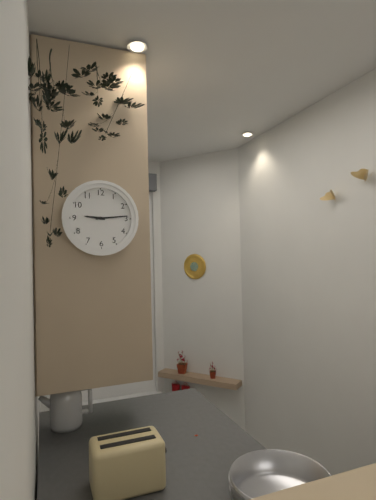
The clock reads 9,14
